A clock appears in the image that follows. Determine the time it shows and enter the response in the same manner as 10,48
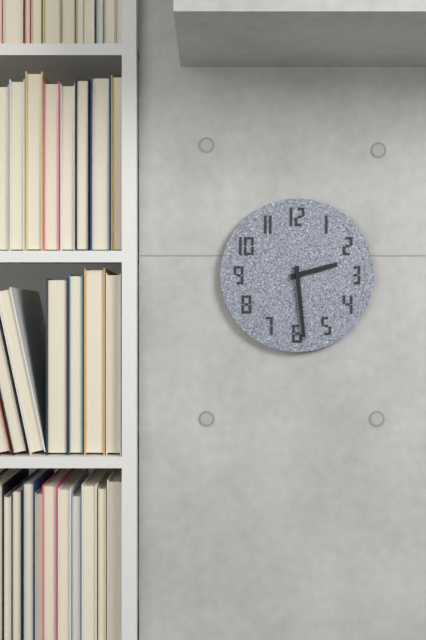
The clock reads 2,29
